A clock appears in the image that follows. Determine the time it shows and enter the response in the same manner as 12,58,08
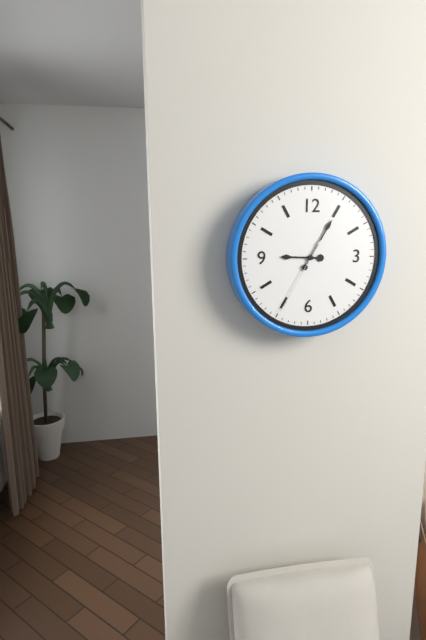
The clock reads 9,05,35
